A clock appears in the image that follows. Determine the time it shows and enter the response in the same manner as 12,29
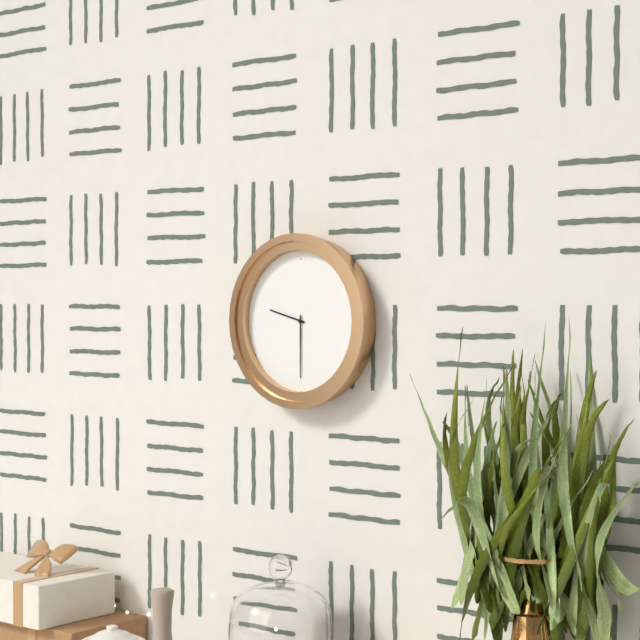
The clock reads 9,30
